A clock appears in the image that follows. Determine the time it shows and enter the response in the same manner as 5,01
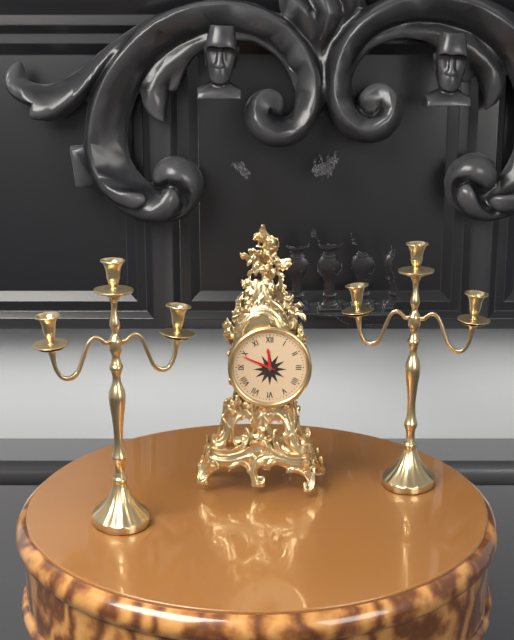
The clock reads 11,49
